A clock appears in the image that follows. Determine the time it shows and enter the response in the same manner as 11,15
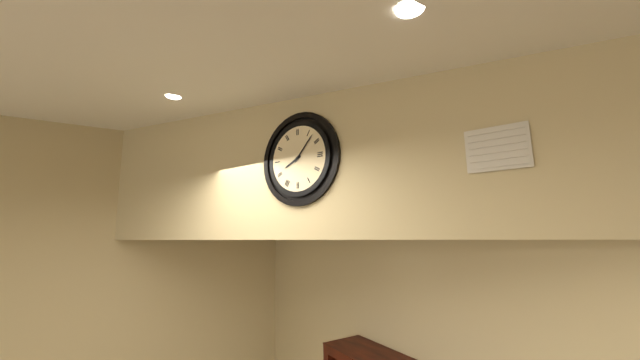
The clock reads 8,07
